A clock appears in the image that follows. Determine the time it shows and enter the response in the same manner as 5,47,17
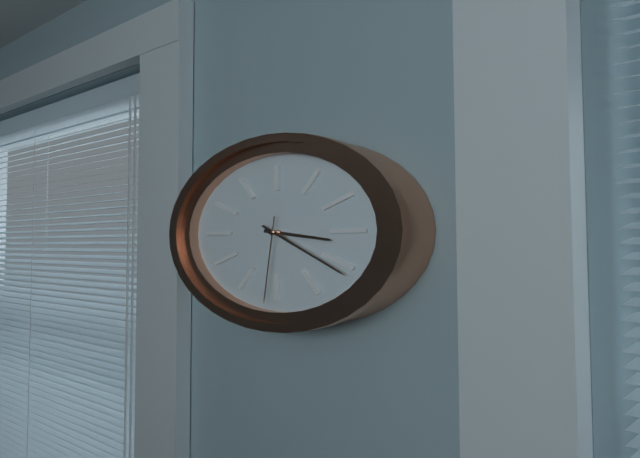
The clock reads 3,21,31
